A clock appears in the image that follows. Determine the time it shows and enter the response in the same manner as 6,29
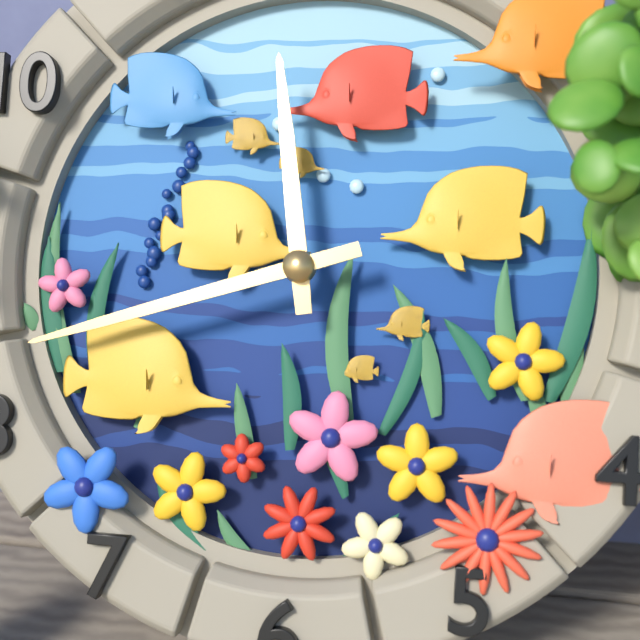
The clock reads 11,42
